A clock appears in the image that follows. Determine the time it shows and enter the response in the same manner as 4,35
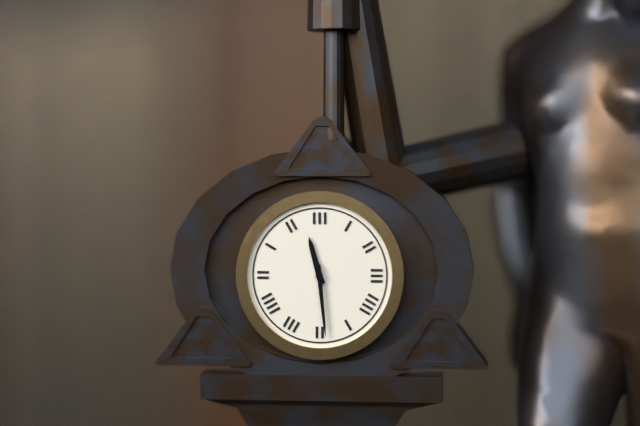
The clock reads 11,29
